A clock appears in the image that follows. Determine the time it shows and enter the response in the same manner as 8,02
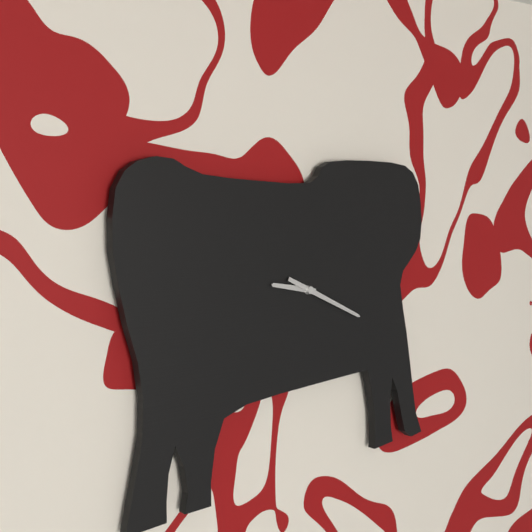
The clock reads 9,19
